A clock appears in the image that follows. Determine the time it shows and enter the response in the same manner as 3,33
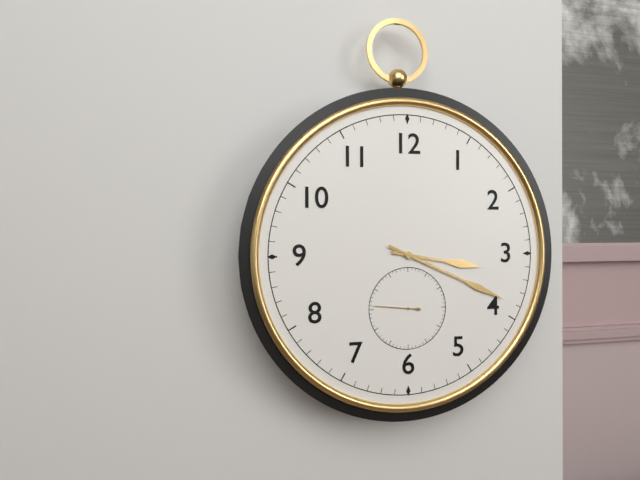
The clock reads 3,19
